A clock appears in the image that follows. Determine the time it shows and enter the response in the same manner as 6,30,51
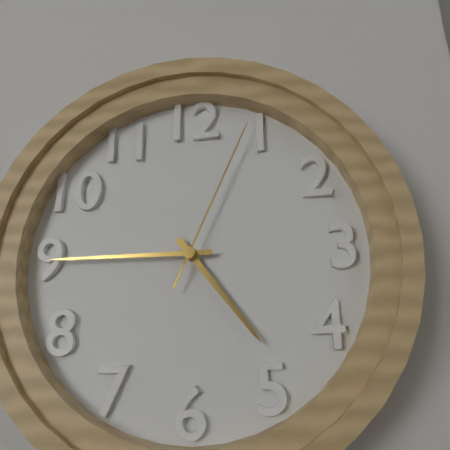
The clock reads 4,45,04
